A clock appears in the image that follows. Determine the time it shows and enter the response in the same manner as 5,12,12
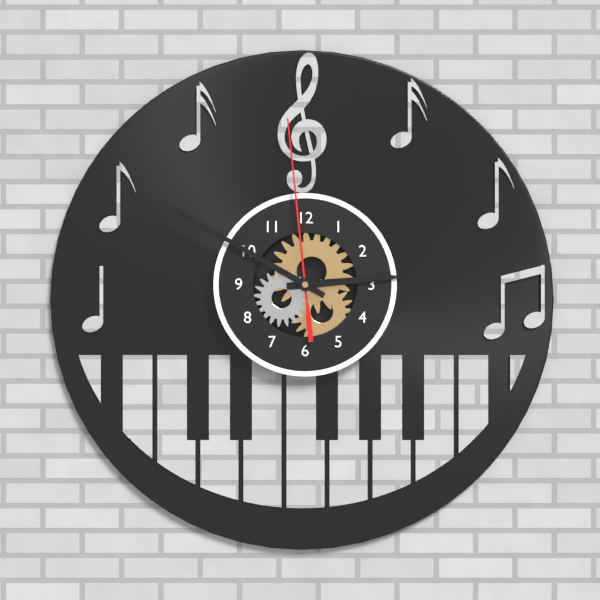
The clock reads 2,50,59
